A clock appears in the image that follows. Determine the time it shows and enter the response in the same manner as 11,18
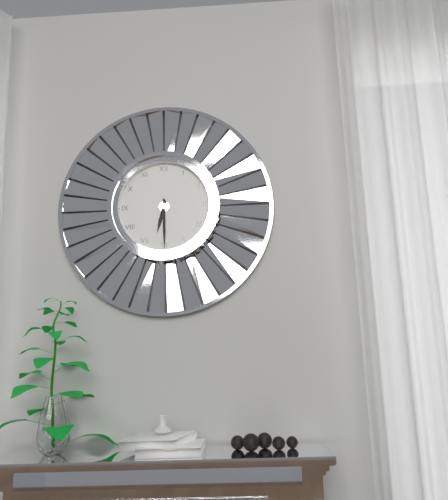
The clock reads 6,30
